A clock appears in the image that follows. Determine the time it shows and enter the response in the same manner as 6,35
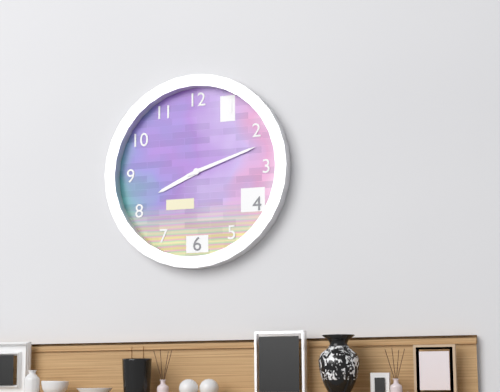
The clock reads 8,12
